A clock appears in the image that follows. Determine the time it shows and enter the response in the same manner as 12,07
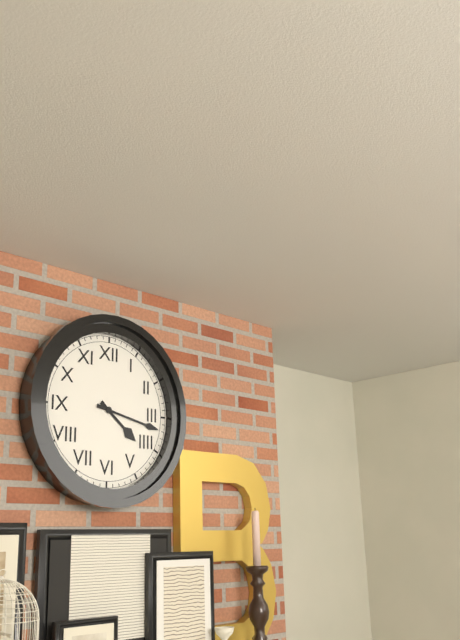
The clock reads 4,17
